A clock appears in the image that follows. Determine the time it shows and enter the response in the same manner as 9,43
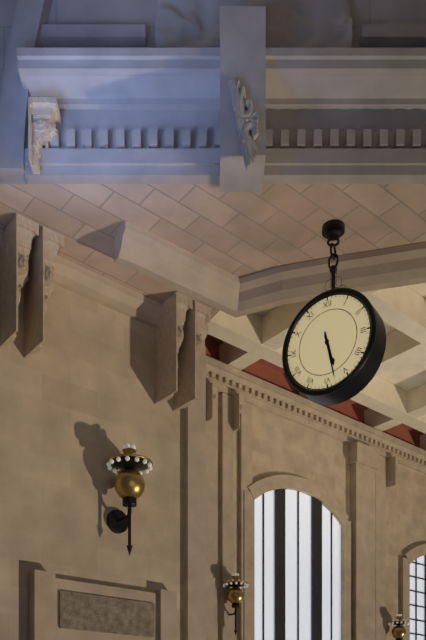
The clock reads 5,28
